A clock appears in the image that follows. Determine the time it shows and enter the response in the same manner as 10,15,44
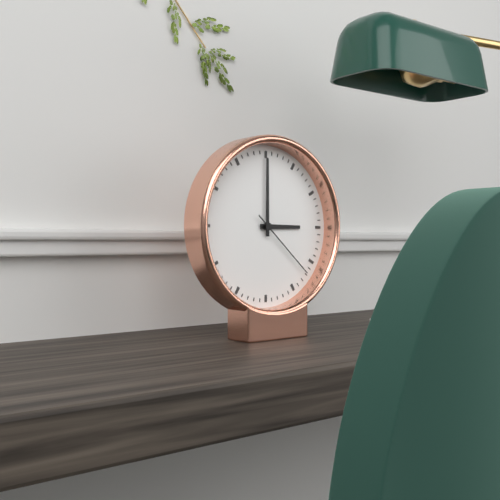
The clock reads 3,00,22
